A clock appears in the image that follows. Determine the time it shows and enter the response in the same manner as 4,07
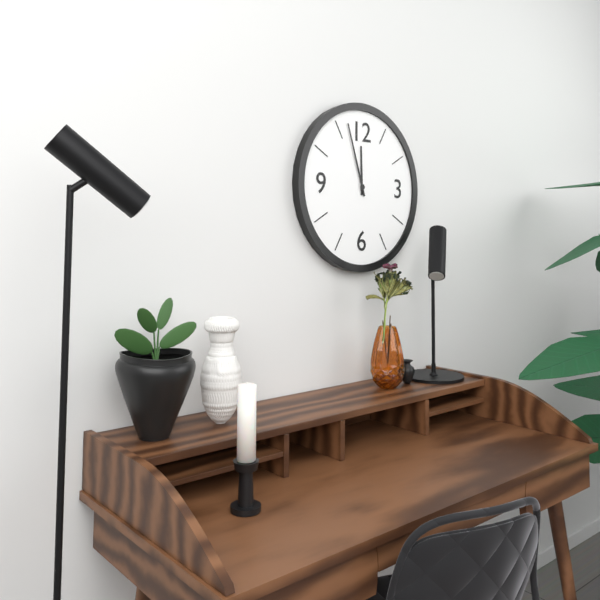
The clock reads 11,57
